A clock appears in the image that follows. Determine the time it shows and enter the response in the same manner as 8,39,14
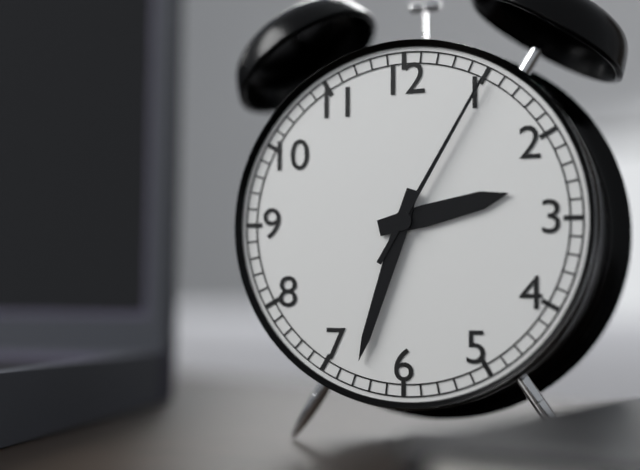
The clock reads 2,33,05
